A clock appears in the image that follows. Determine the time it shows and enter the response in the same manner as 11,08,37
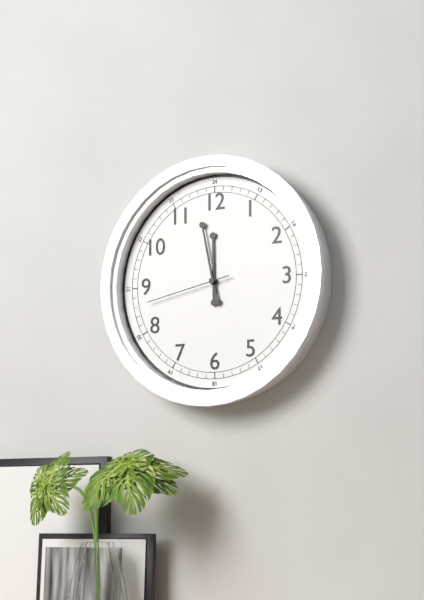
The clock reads 11,58,43
